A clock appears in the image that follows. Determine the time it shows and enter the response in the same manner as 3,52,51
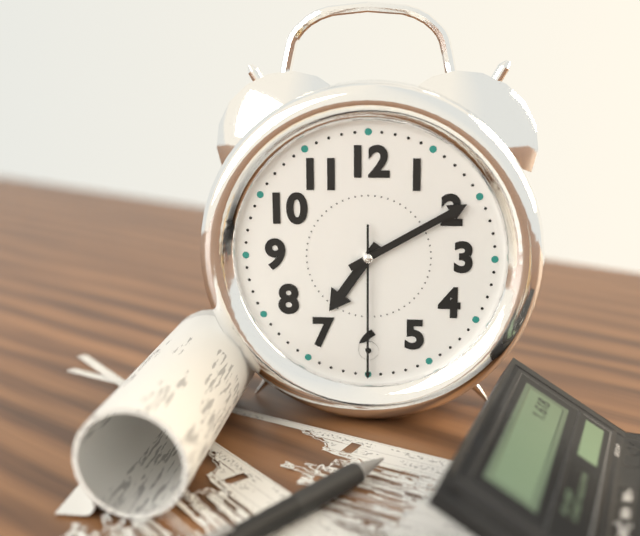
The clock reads 7,10,30
